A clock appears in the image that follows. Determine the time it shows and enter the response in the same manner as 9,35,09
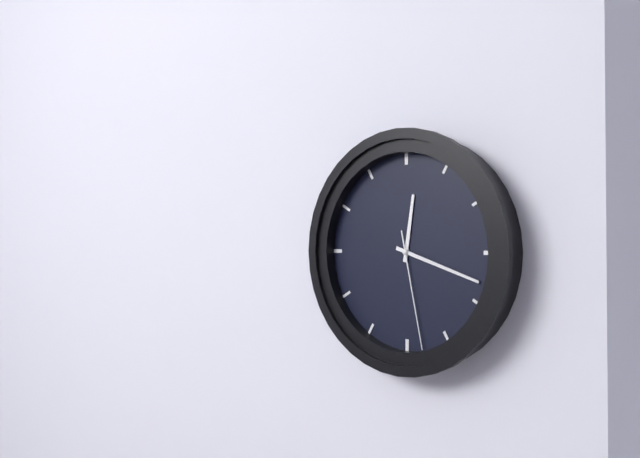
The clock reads 12,18,28
